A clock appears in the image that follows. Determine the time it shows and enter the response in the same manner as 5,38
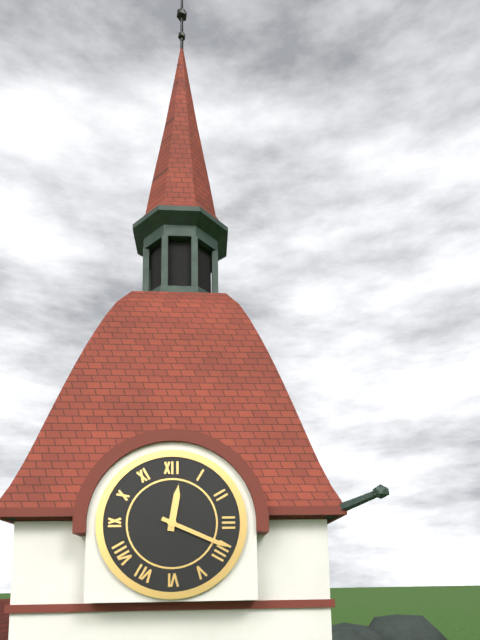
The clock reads 12,19
